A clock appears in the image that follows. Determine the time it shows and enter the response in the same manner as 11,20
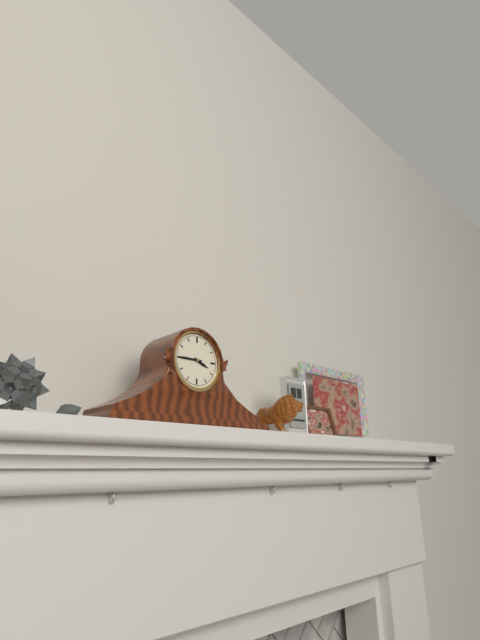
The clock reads 3,45
